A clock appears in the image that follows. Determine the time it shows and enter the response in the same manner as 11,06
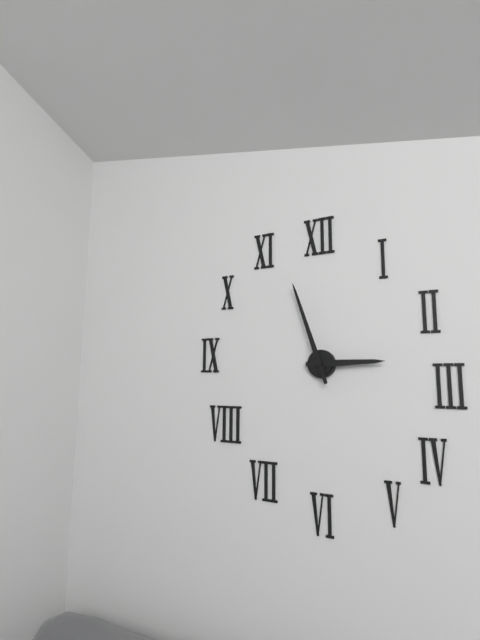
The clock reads 2,57
